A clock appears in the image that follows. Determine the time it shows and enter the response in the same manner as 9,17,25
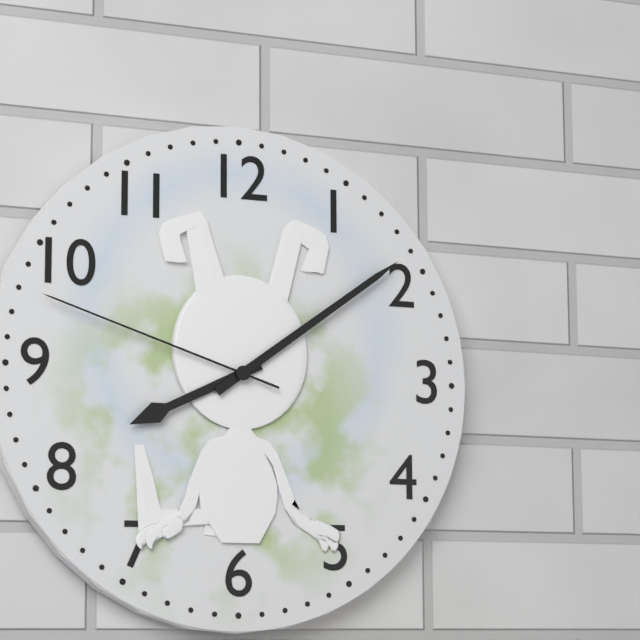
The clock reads 8,09,48
